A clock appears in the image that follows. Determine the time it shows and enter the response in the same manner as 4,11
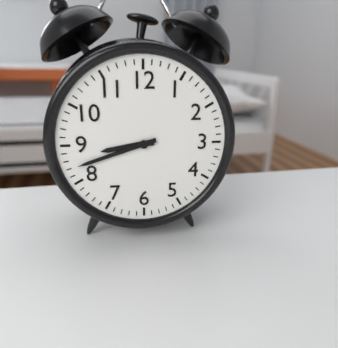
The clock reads 8,42
